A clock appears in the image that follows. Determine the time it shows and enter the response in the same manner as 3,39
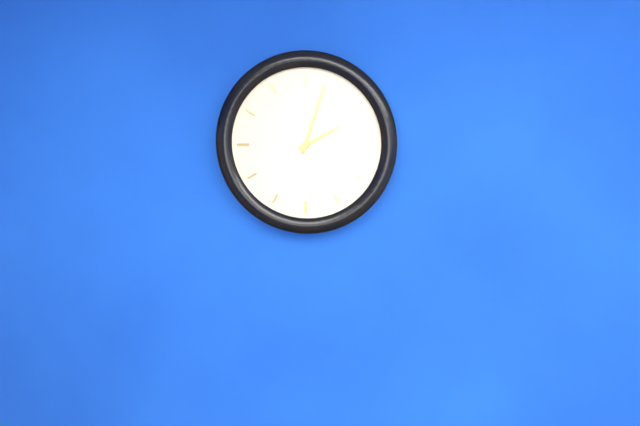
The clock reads 2,03
